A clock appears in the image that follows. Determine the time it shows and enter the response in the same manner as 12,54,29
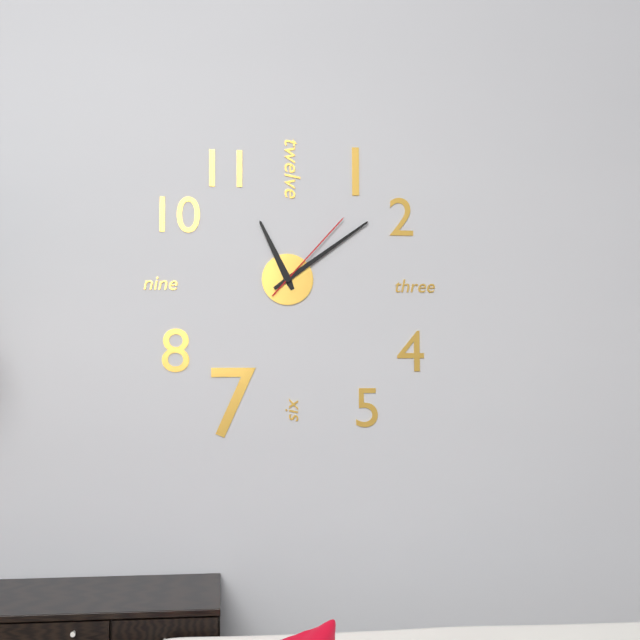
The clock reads 11,09,07
